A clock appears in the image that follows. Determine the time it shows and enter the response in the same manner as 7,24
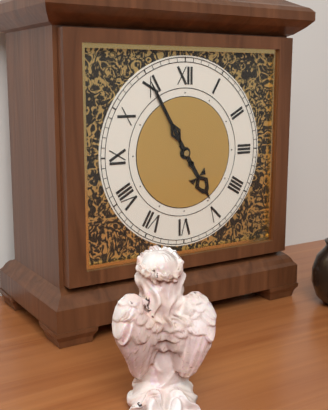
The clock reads 4,55
